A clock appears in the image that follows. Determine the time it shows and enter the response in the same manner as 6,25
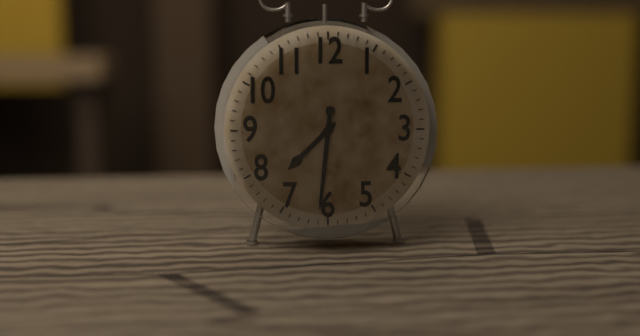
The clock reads 7,31
